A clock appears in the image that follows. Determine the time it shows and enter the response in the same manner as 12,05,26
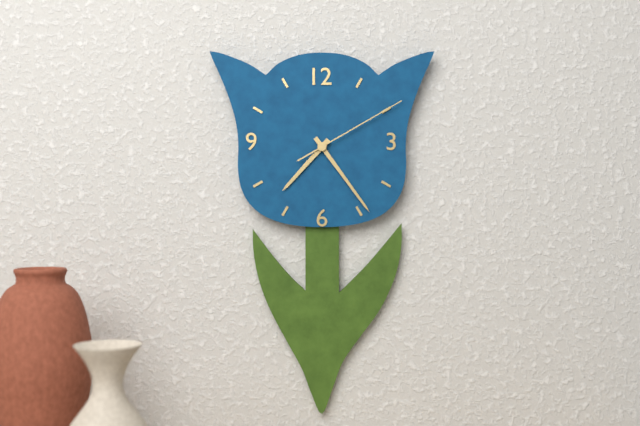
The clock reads 7,24,10
